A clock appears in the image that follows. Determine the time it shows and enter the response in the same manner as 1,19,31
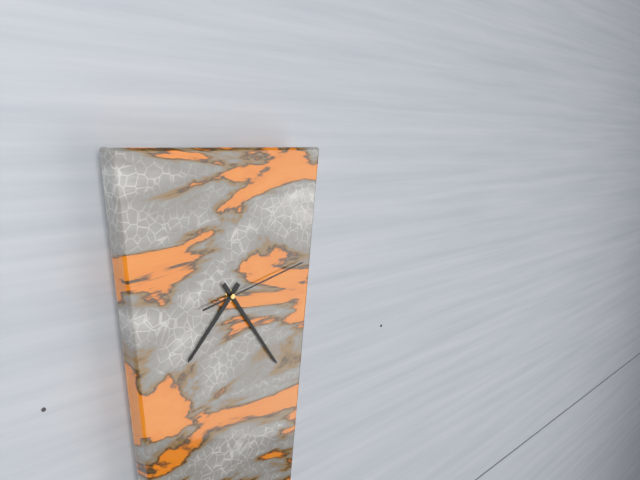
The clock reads 7,24,13
